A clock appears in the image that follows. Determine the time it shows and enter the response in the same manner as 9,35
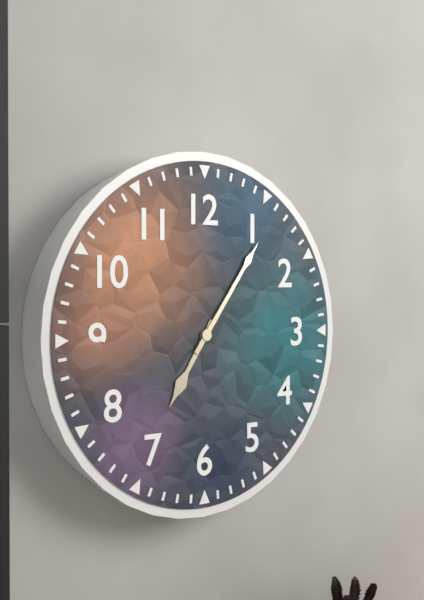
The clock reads 7,06
